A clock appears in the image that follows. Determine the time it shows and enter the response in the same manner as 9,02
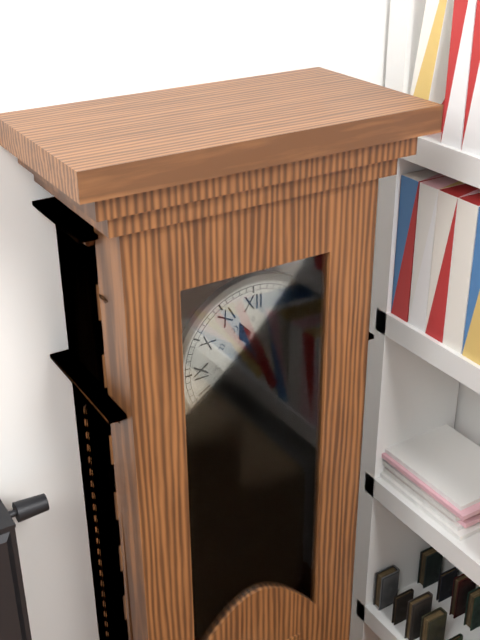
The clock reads 11,18
